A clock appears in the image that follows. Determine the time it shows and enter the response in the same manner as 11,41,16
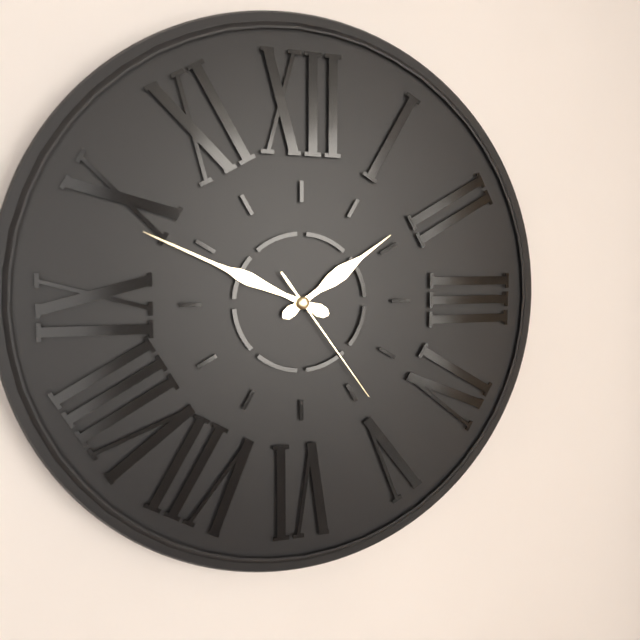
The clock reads 1,49,24
